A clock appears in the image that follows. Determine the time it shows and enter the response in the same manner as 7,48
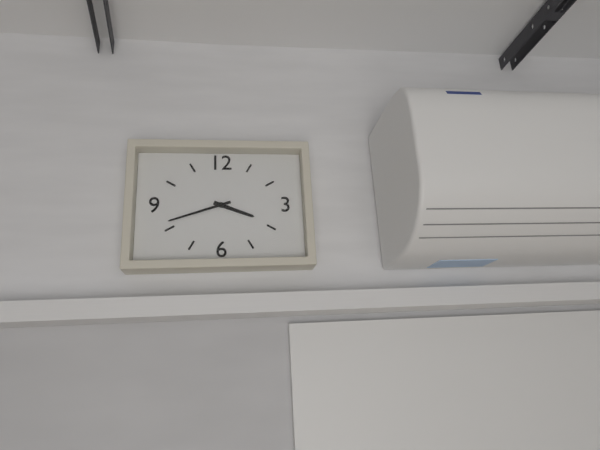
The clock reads 3,42
